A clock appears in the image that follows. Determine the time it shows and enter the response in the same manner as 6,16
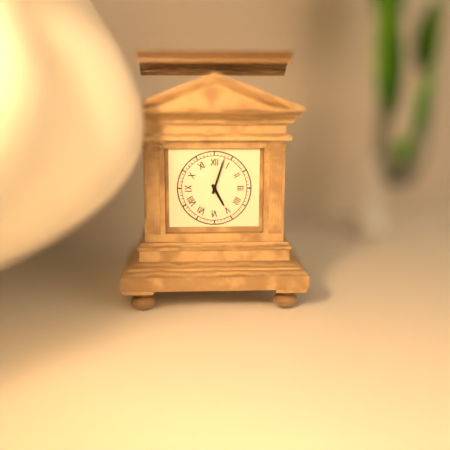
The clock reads 5,03
